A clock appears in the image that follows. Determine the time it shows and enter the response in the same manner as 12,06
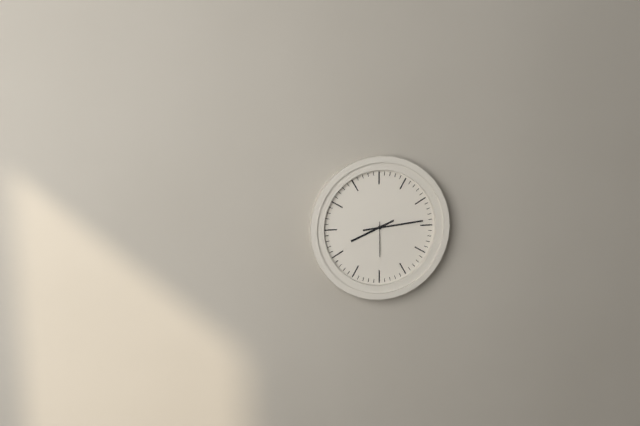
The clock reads 8,14
